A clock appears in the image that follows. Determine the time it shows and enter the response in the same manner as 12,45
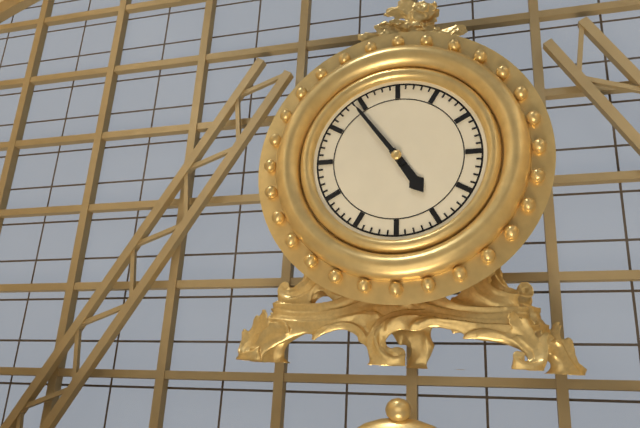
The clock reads 4,54
